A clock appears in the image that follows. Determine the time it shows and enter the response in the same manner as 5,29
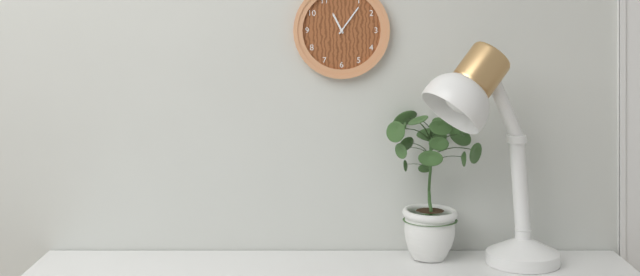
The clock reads 11,06
